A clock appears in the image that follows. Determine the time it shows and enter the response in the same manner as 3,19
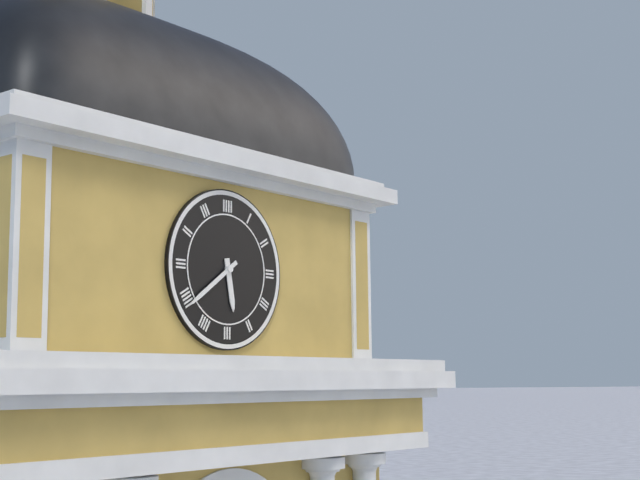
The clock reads 5,39
